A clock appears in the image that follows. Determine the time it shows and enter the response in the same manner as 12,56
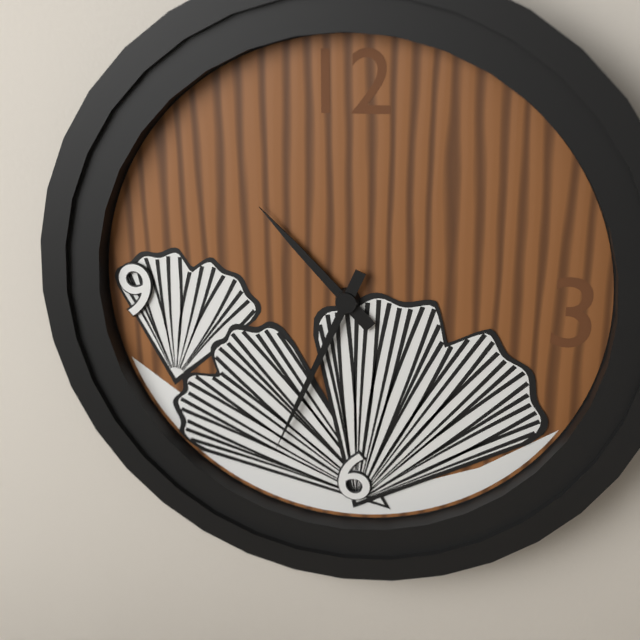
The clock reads 10,34
